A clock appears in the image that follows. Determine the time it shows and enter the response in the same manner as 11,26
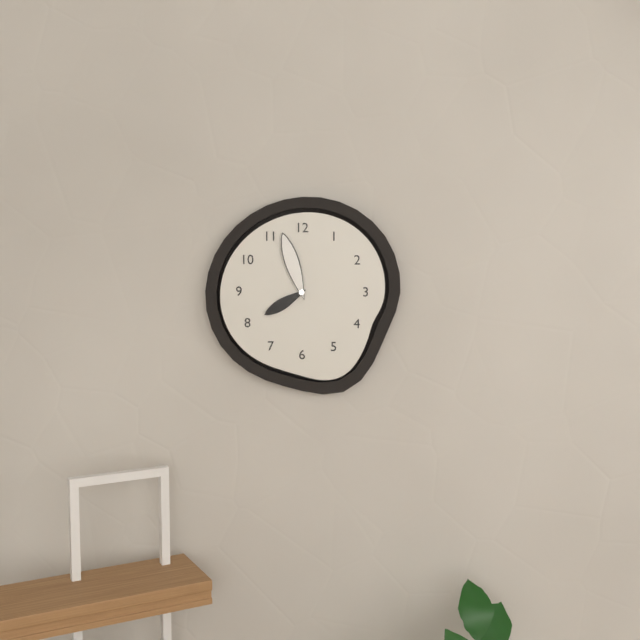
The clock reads 7,57
